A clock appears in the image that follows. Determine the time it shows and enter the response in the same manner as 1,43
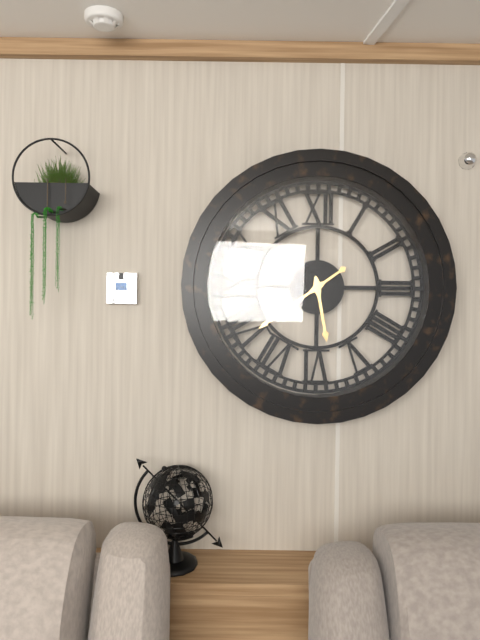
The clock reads 5,39
